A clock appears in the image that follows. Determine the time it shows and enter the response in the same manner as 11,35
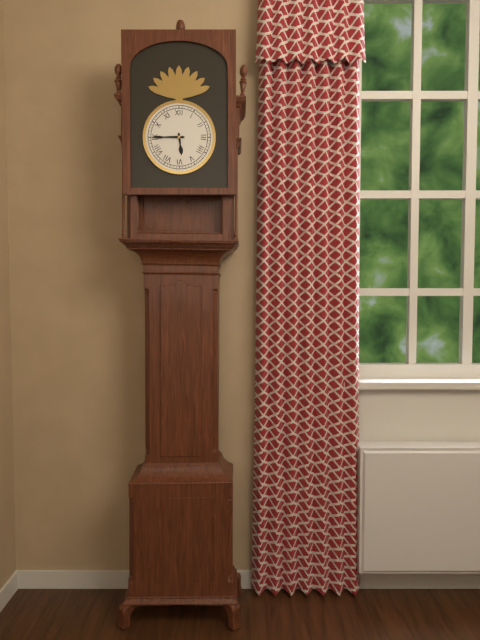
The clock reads 5,45
